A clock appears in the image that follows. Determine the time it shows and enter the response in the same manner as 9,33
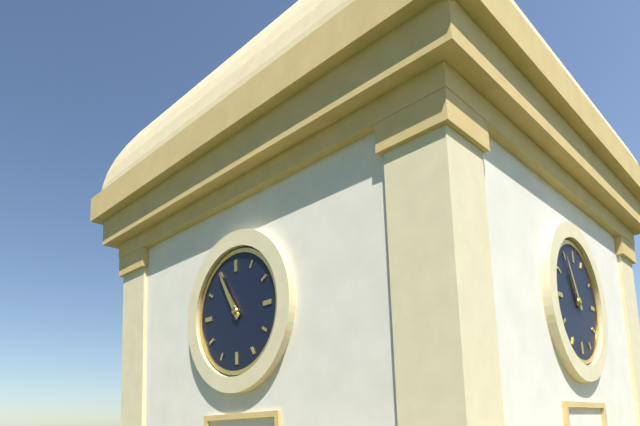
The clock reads 10,55
